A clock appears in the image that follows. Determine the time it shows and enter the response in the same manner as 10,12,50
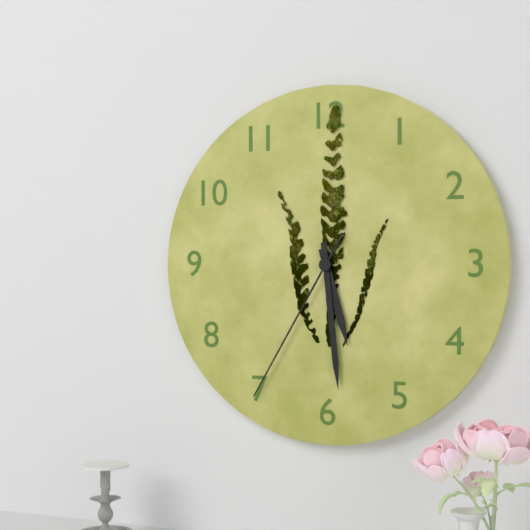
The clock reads 5,29,35
